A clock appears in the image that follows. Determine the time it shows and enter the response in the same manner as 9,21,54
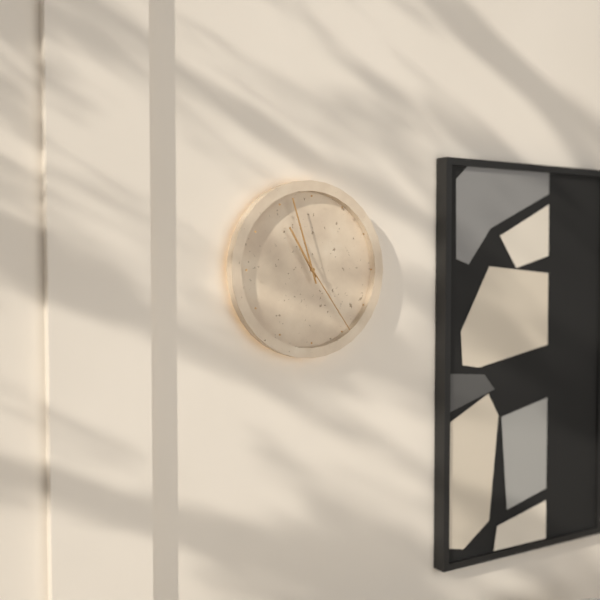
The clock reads 10,57,24
